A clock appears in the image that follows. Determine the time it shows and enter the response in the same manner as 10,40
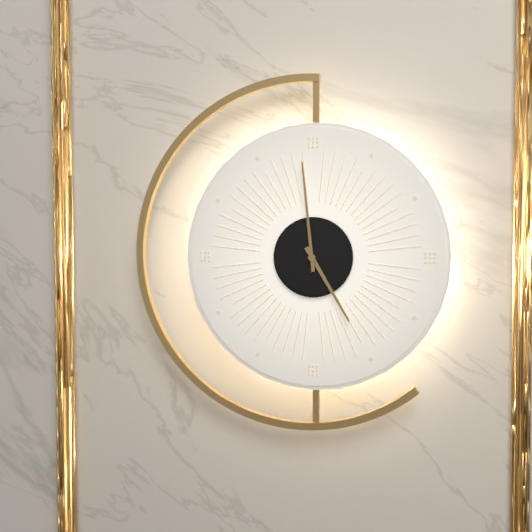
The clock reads 4,59
